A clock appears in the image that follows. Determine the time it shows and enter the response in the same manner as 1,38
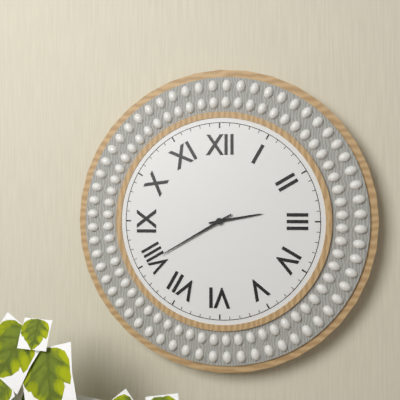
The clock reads 2,40
